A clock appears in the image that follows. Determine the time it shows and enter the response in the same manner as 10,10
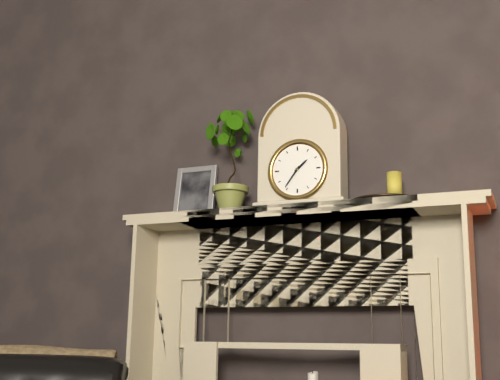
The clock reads 1,36
